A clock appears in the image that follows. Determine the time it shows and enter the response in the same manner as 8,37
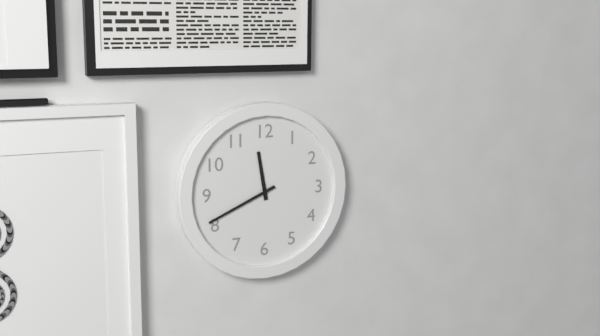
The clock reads 11,41
